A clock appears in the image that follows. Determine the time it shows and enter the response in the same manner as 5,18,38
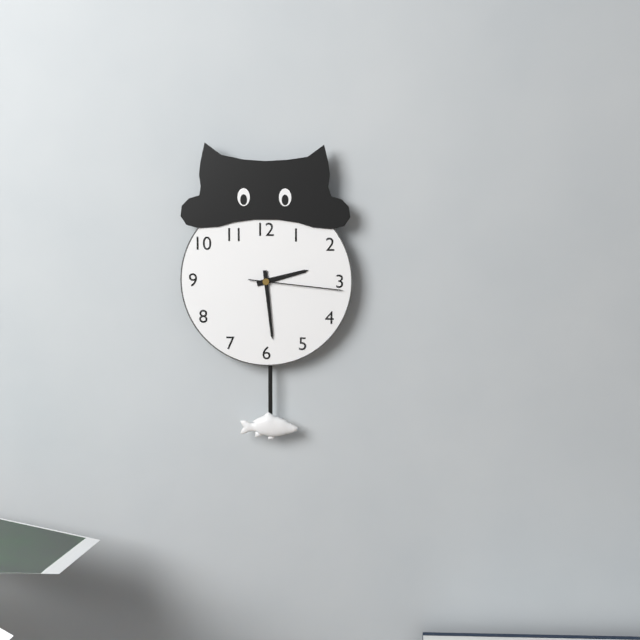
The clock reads 2,29,16
